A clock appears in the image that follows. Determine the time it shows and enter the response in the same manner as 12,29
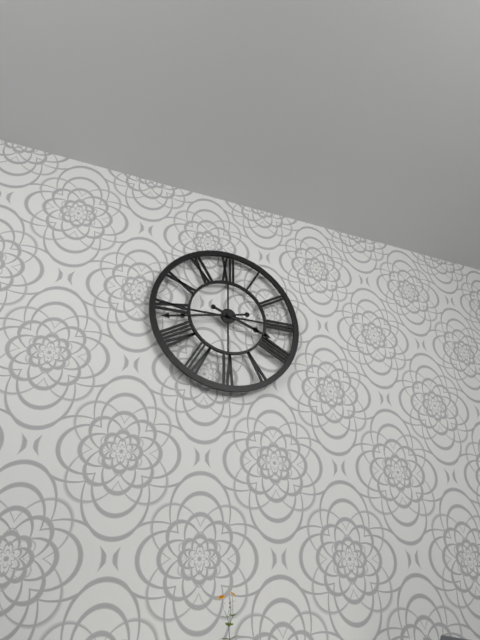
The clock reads 3,43
